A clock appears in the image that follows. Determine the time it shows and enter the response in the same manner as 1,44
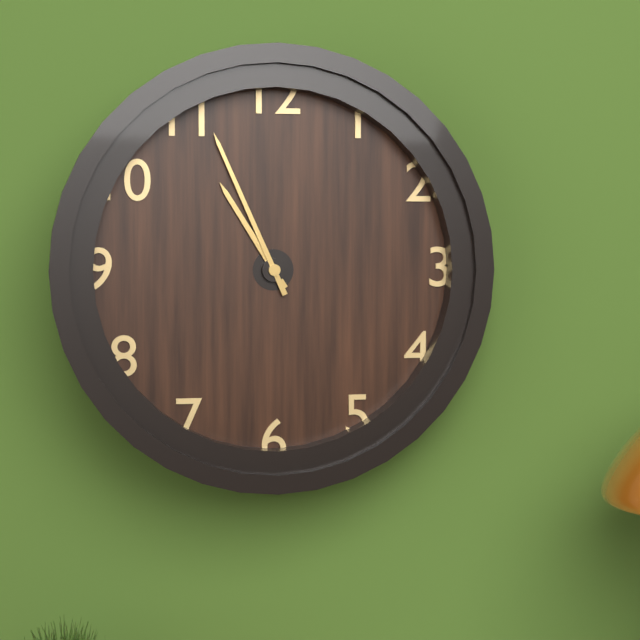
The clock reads 10,56
